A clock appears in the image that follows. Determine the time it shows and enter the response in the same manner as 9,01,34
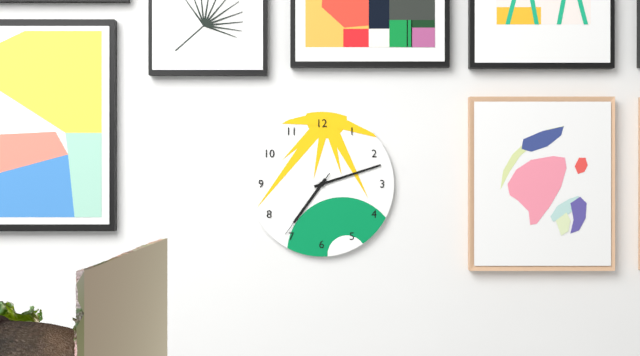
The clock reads 7,12,36
